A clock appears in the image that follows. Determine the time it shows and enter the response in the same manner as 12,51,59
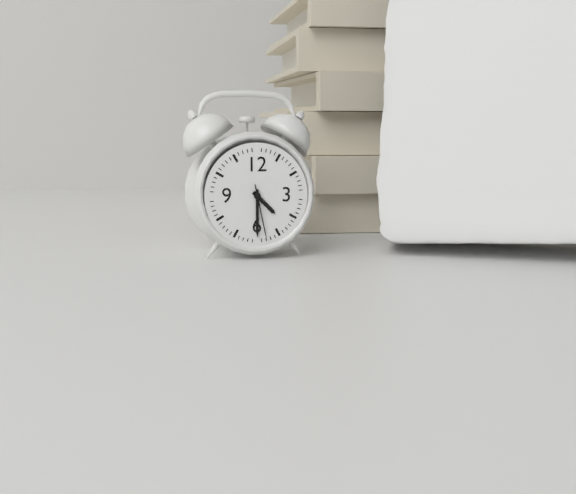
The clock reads 4,30,28
